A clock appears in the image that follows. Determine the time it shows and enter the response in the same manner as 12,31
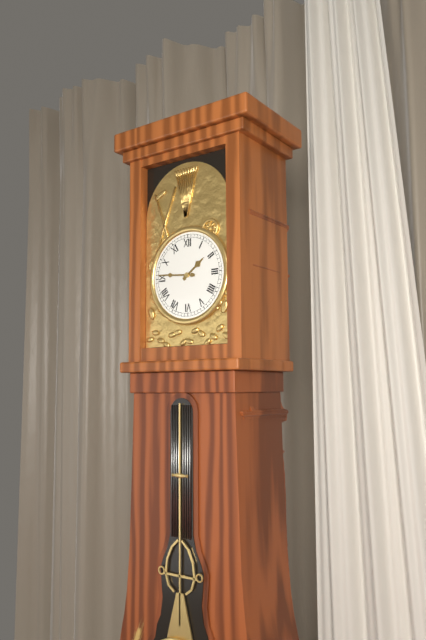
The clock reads 1,46
